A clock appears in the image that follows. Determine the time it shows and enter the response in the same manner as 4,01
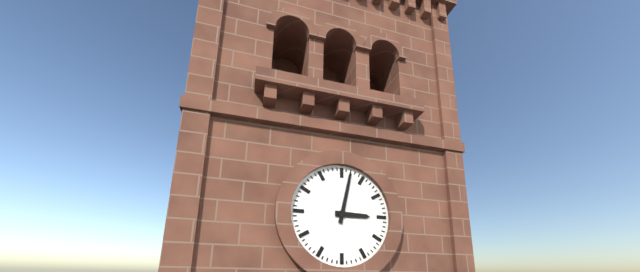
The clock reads 3,02
